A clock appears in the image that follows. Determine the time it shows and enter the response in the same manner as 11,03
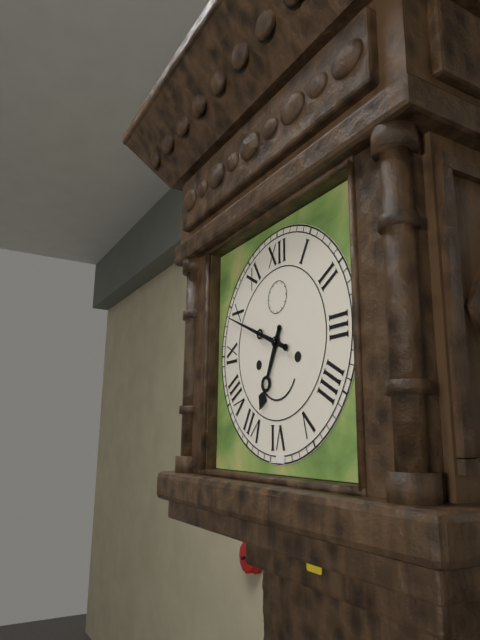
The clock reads 6,49
